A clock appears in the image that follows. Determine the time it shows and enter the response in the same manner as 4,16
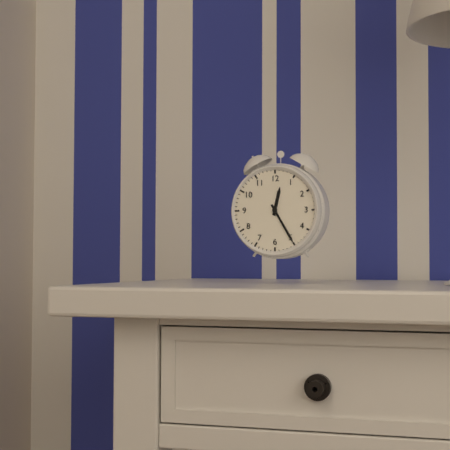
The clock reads 12,25
